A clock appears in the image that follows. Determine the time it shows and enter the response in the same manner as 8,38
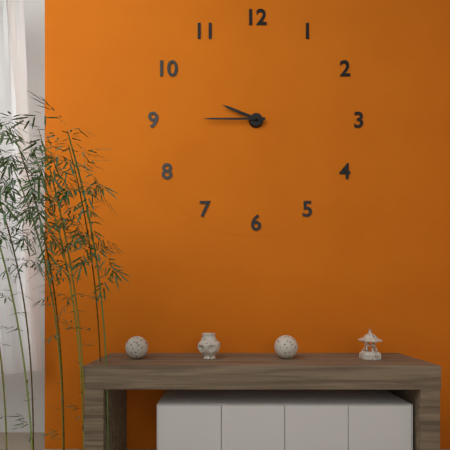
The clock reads 9,45
